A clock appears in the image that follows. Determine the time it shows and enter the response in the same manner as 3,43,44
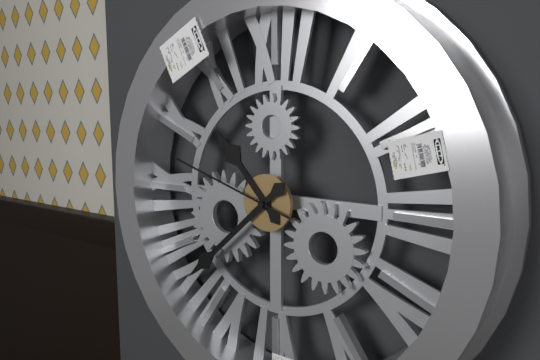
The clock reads 10,38,48
